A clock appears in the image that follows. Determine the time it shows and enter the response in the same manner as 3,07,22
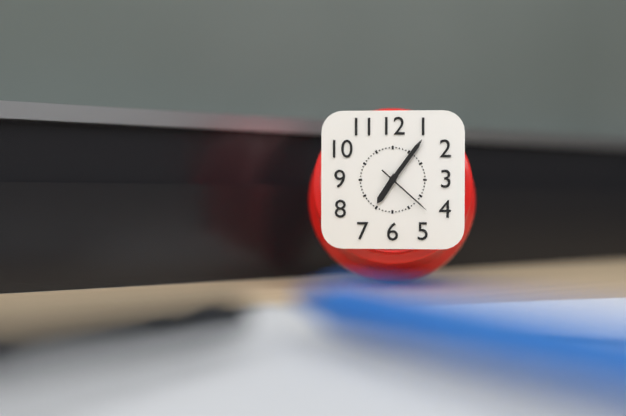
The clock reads 7,06,22
